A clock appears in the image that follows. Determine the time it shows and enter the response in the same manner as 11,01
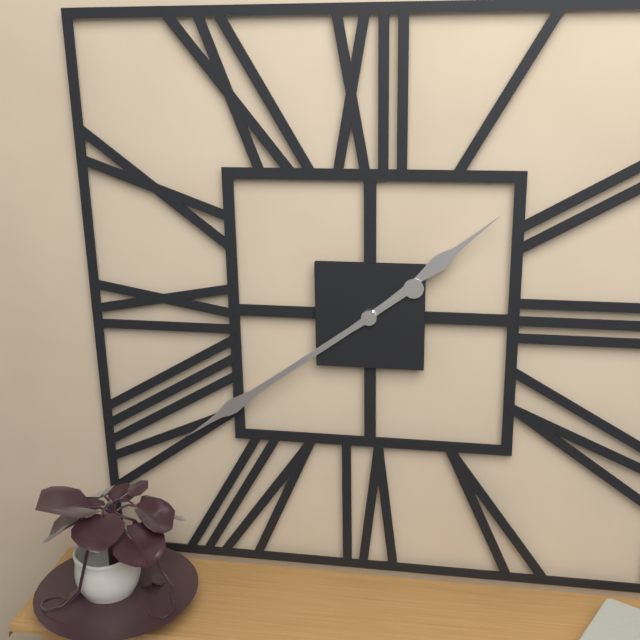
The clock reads 1,39
